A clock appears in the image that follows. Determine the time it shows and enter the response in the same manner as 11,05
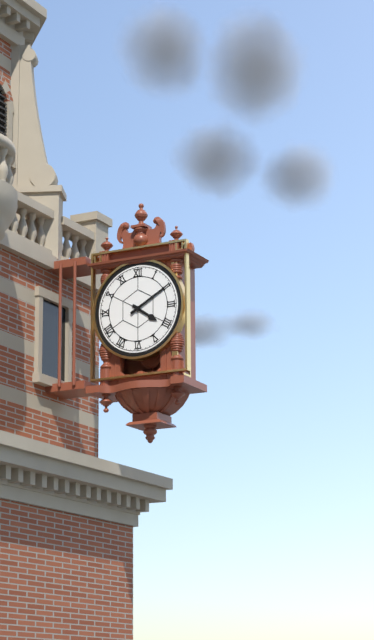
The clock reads 4,10
